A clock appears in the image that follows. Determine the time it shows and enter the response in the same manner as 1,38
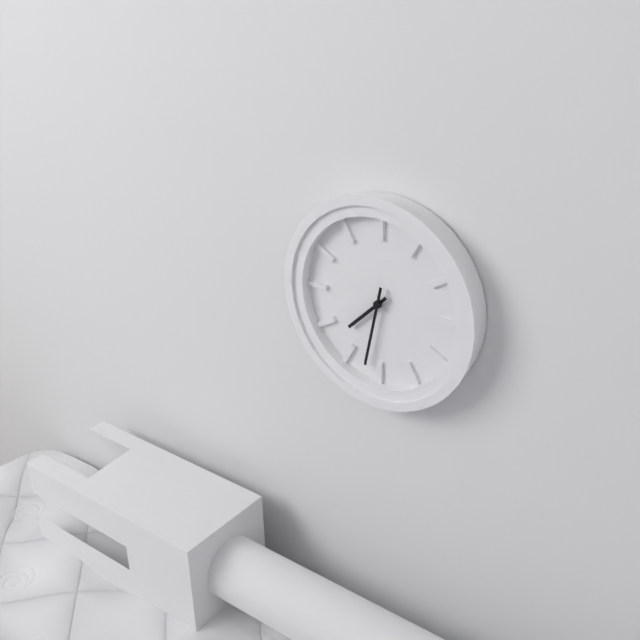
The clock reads 7,32
